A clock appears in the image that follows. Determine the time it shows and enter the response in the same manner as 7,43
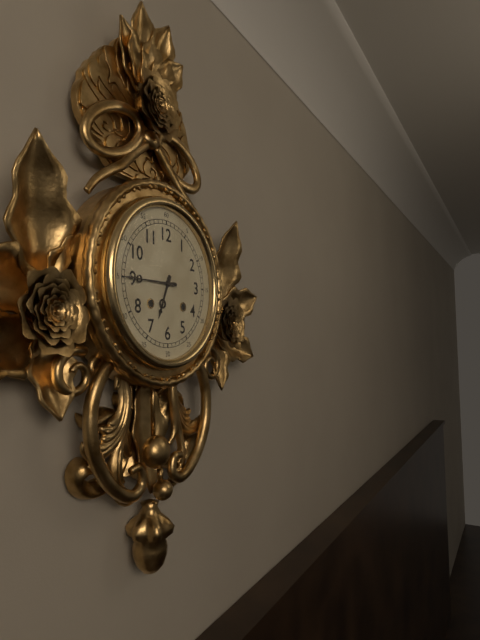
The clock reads 6,45
